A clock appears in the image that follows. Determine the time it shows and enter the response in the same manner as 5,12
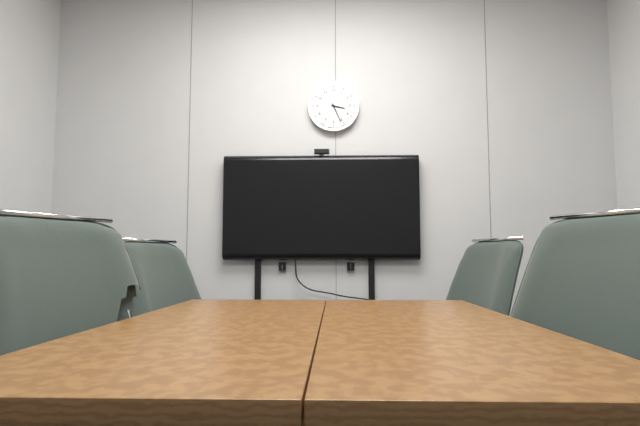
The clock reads 3,26
